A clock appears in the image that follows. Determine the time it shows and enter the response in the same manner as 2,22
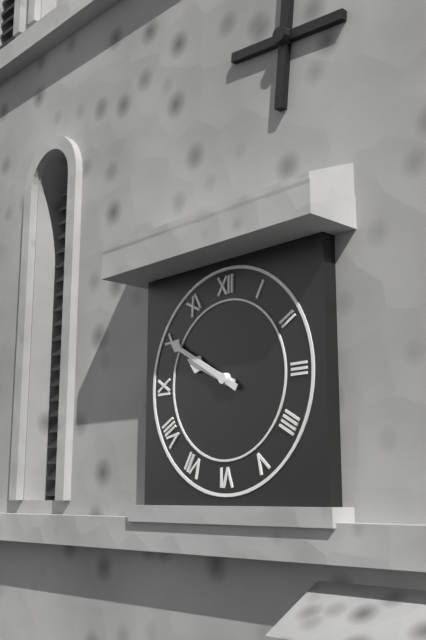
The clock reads 9,50
